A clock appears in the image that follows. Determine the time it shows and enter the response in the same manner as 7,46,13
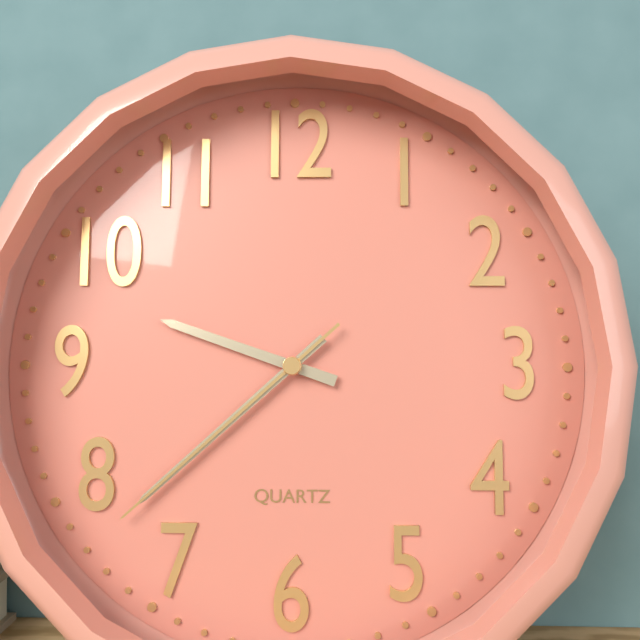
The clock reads 9,38,38
